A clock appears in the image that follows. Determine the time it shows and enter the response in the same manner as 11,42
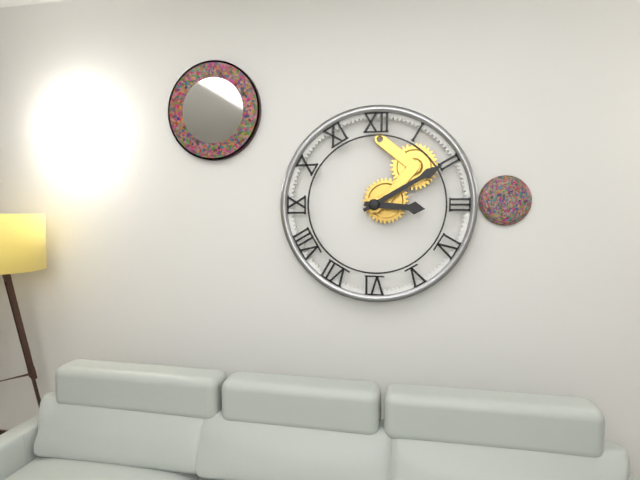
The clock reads 3,10
